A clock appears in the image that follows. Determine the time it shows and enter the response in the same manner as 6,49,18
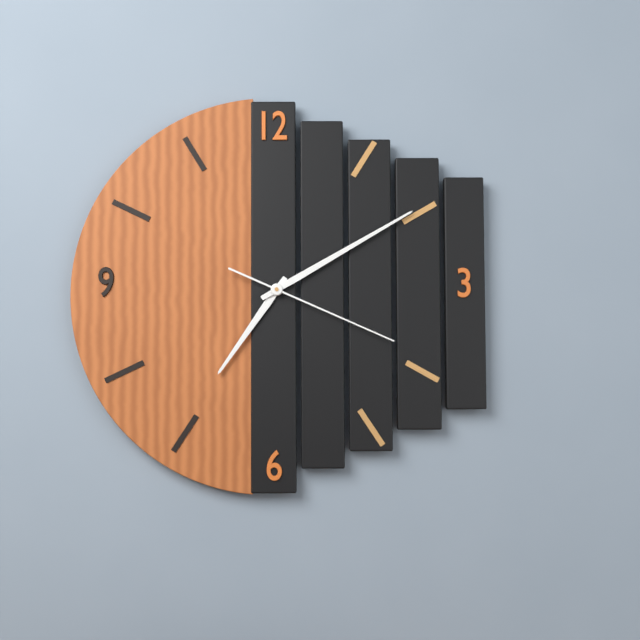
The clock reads 7,10,19
